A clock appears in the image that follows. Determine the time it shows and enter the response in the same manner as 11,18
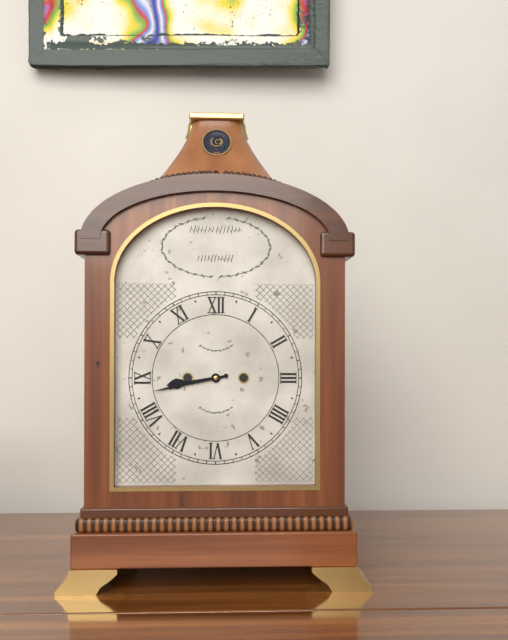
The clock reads 8,43
